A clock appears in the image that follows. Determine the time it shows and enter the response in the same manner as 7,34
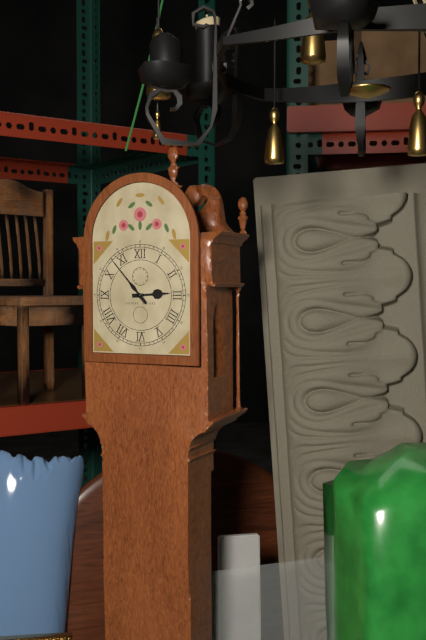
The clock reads 2,53
